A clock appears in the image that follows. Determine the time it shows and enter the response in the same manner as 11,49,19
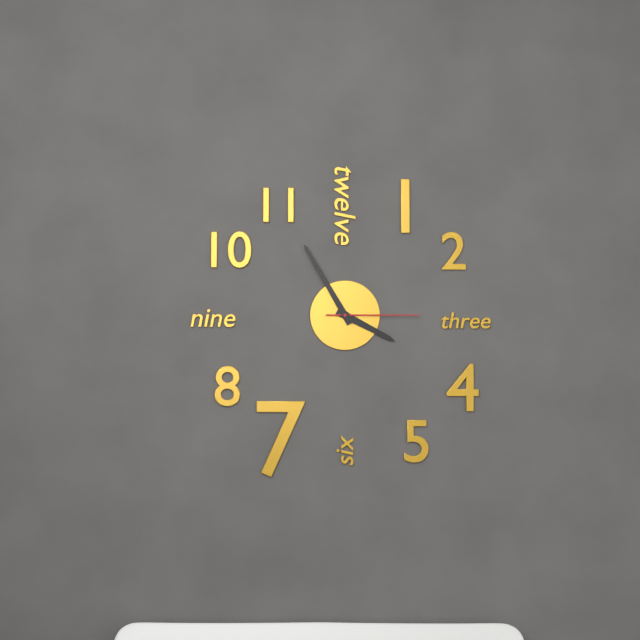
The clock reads 3,55,15
